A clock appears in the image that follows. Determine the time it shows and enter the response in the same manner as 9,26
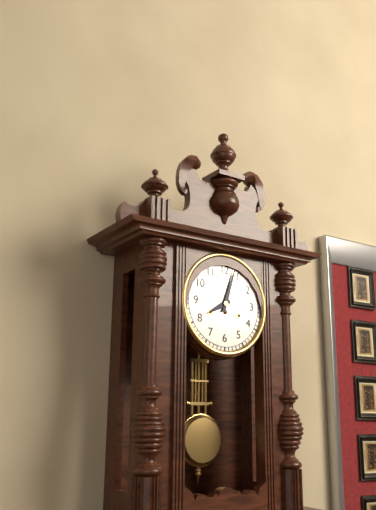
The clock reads 8,03
